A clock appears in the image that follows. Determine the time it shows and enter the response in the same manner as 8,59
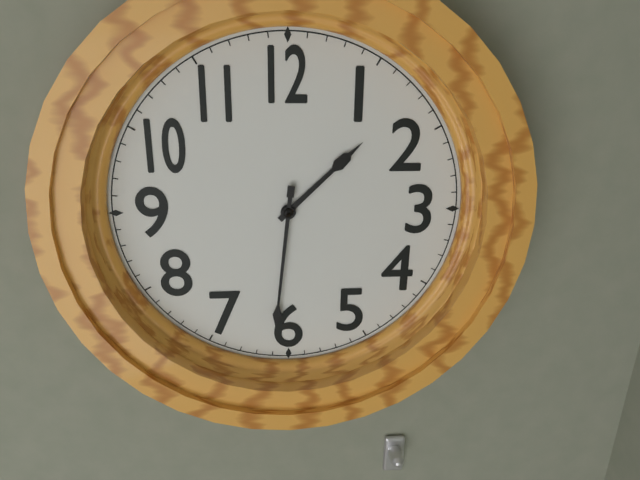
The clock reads 1,31
